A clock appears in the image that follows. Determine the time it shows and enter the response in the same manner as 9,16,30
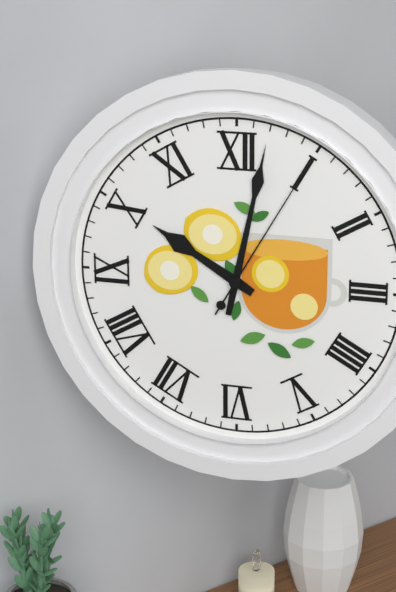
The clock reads 10,02,05
